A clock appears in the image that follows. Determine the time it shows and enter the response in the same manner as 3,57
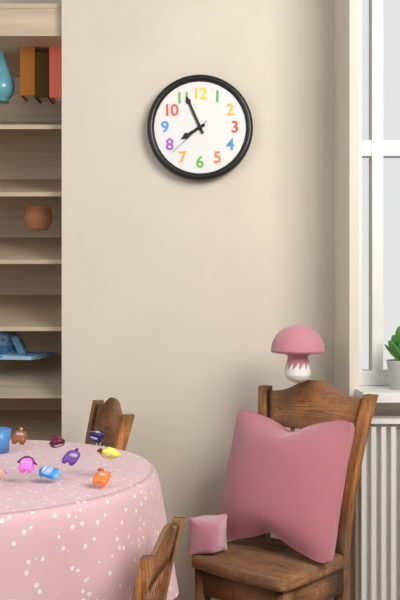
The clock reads 7,56
